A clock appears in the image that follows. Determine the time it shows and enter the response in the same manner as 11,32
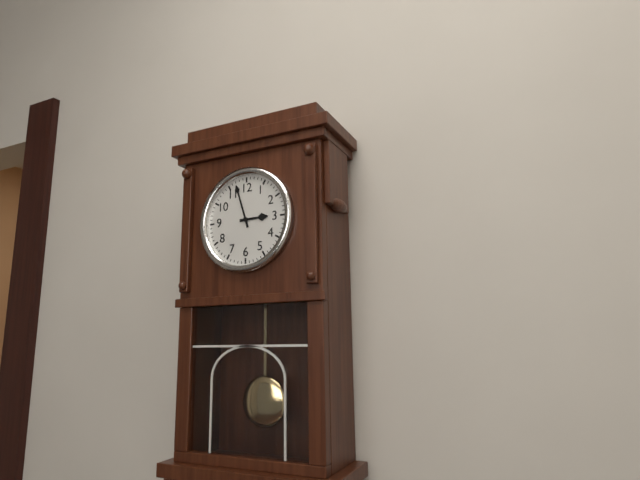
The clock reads 2,57
